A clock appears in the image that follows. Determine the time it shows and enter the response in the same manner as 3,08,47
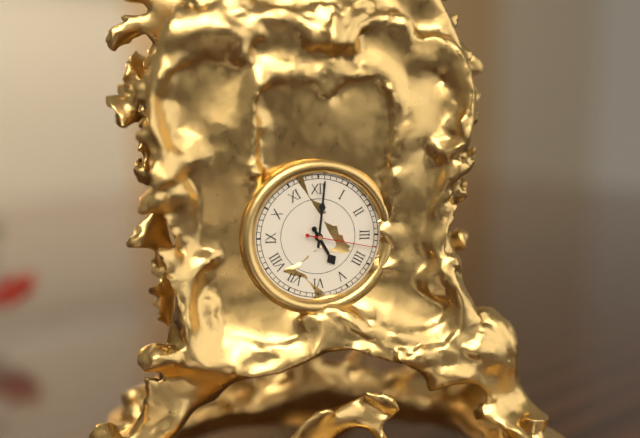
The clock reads 5,01,17
